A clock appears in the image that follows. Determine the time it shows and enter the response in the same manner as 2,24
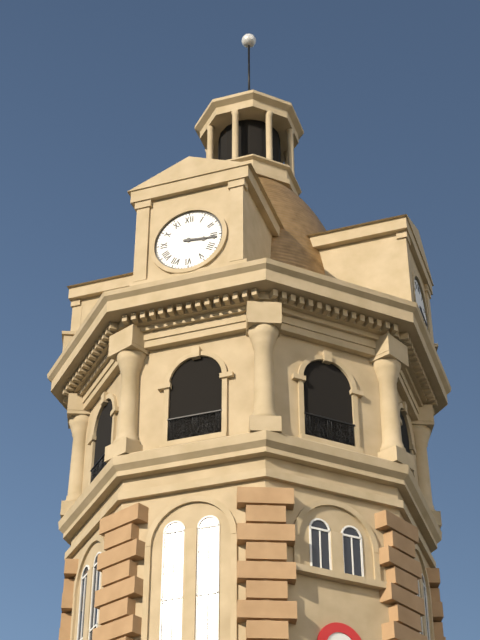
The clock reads 3,16
